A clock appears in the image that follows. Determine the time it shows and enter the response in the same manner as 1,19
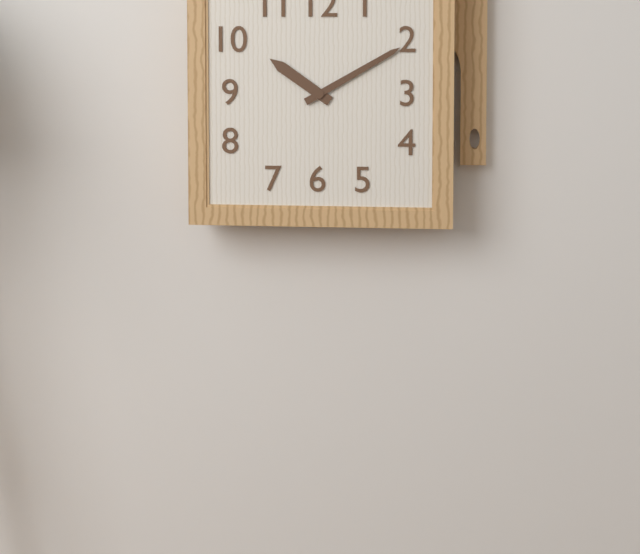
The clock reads 10,10
